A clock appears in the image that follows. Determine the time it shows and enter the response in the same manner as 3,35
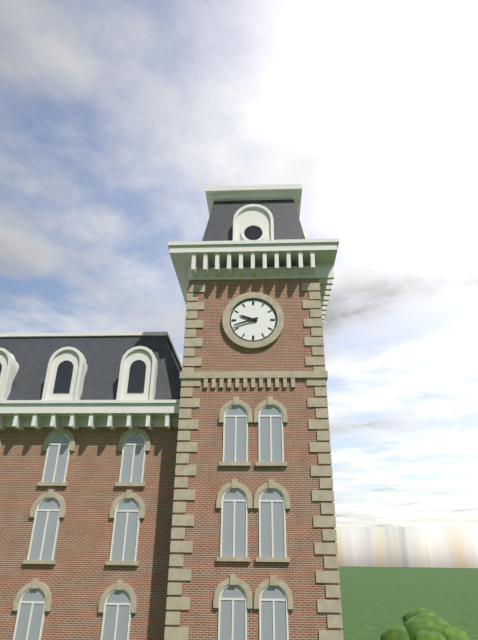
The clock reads 9,42
